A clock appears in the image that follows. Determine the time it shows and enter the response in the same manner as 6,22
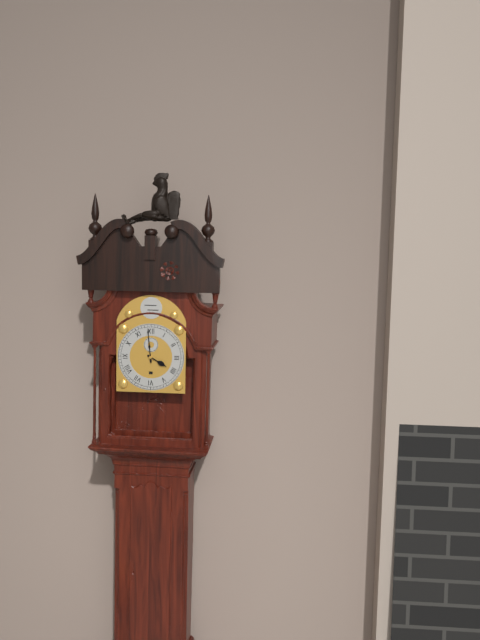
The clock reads 3,59
